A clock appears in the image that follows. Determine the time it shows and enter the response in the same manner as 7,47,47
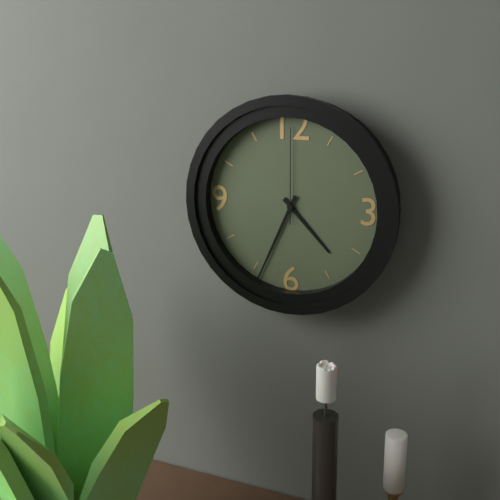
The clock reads 4,34,00
